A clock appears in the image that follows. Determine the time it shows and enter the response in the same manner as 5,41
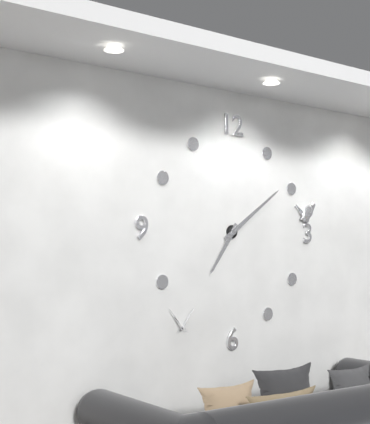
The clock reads 7,09
